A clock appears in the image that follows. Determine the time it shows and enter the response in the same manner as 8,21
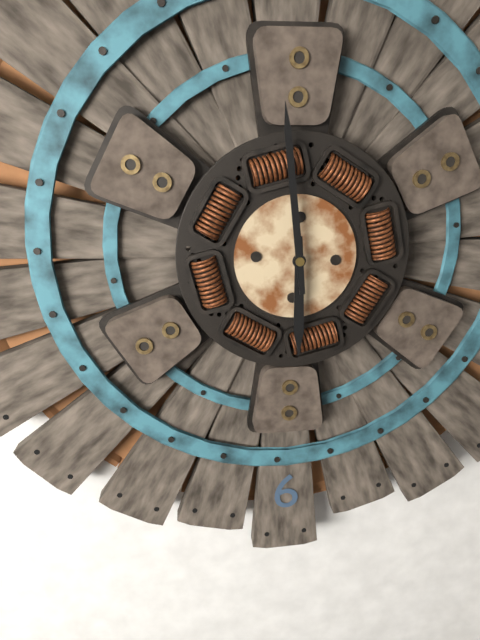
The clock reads 5,59
